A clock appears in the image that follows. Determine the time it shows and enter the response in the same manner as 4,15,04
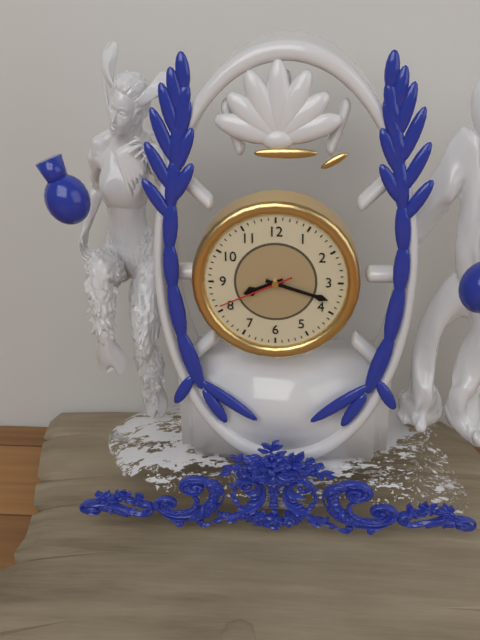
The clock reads 8,18,41
